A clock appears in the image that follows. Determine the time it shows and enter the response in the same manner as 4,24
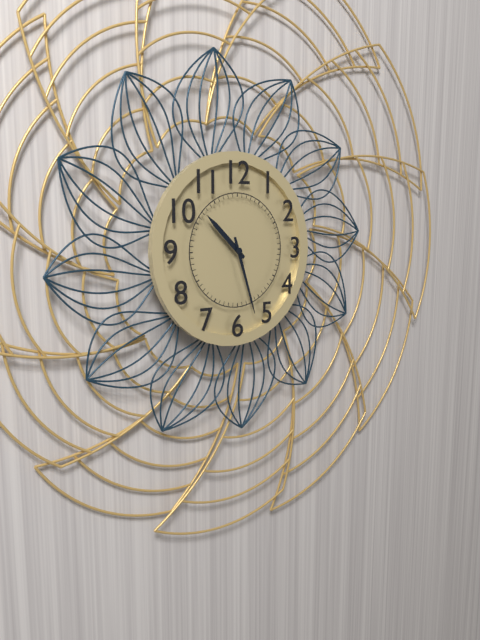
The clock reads 10,27
